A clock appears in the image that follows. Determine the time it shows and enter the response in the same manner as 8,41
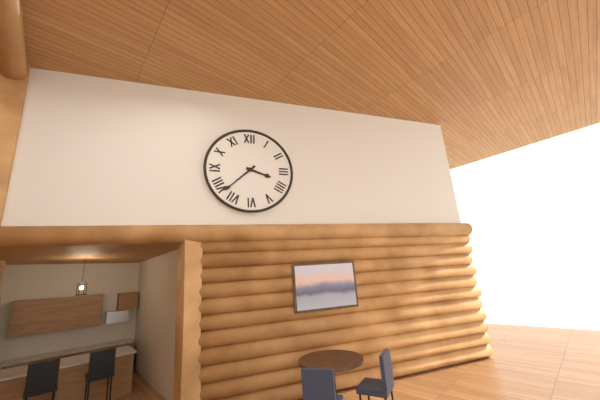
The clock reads 3,38
